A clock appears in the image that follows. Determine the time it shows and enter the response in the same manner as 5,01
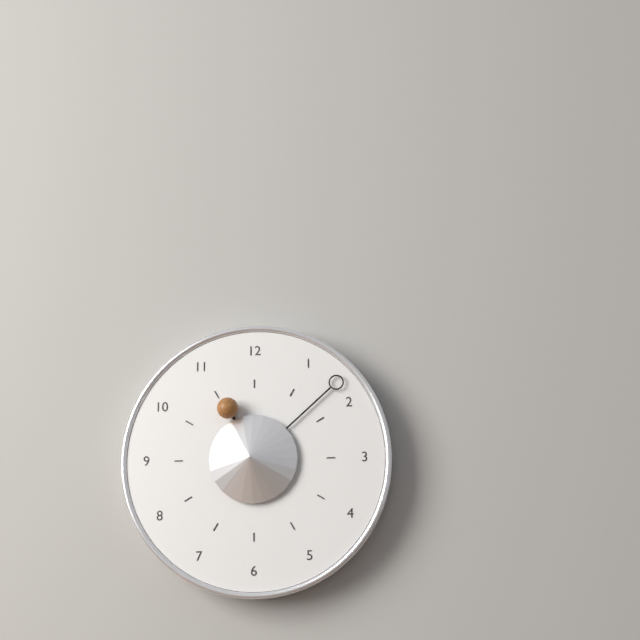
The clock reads 11,08
